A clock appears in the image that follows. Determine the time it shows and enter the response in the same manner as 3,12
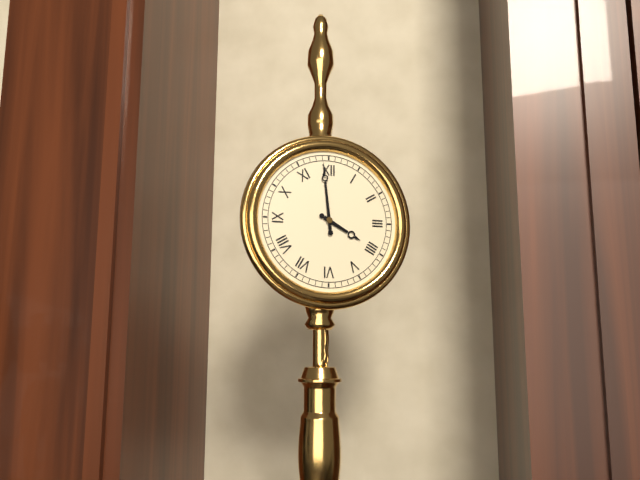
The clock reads 3,59
